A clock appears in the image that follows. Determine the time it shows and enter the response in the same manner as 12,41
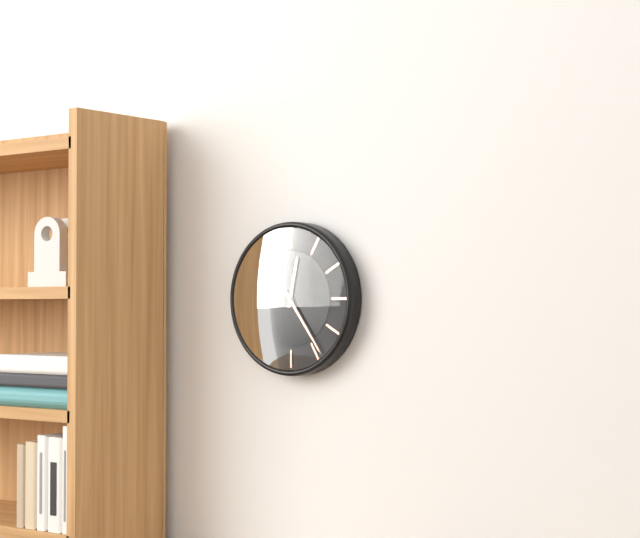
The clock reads 12,24
